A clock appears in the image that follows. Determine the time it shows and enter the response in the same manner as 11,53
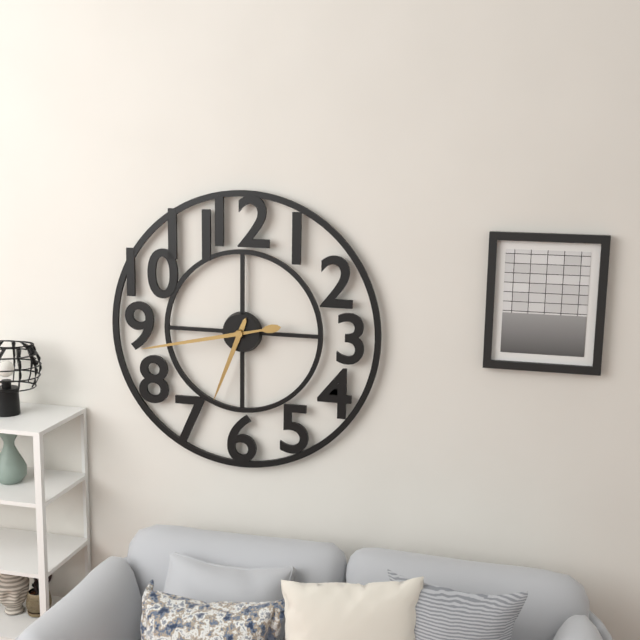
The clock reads 6,43
